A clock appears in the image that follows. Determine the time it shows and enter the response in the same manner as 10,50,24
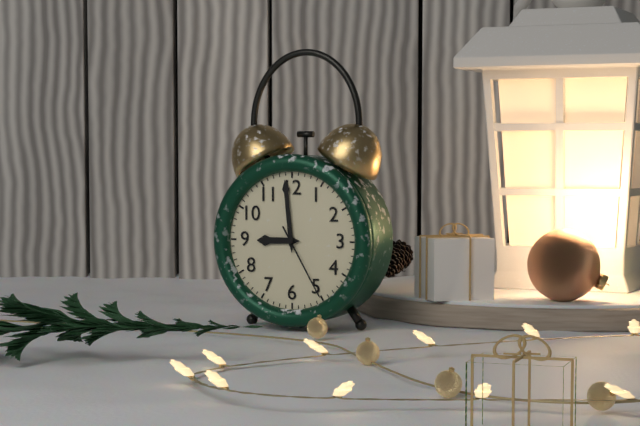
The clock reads 8,59,25
